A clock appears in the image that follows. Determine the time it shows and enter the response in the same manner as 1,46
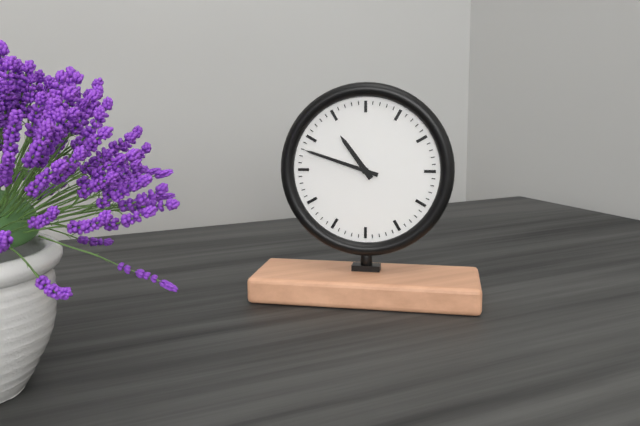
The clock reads 10,48
